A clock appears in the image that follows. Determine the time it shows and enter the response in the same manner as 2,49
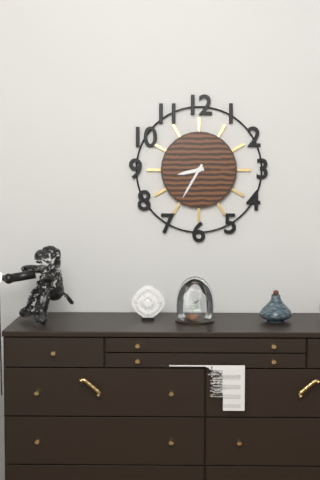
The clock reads 8,35
